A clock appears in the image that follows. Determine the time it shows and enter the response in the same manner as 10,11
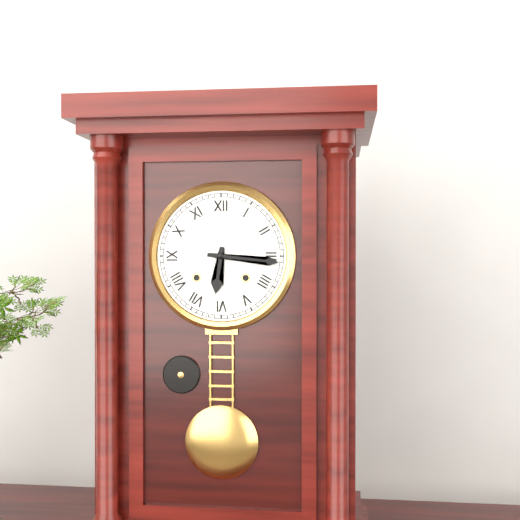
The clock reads 6,16
